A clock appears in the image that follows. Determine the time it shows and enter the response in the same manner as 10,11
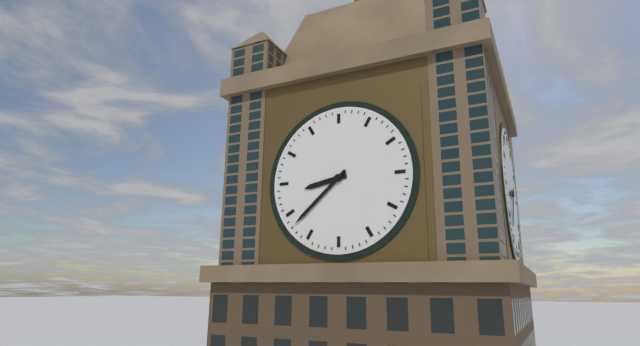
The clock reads 8,38
